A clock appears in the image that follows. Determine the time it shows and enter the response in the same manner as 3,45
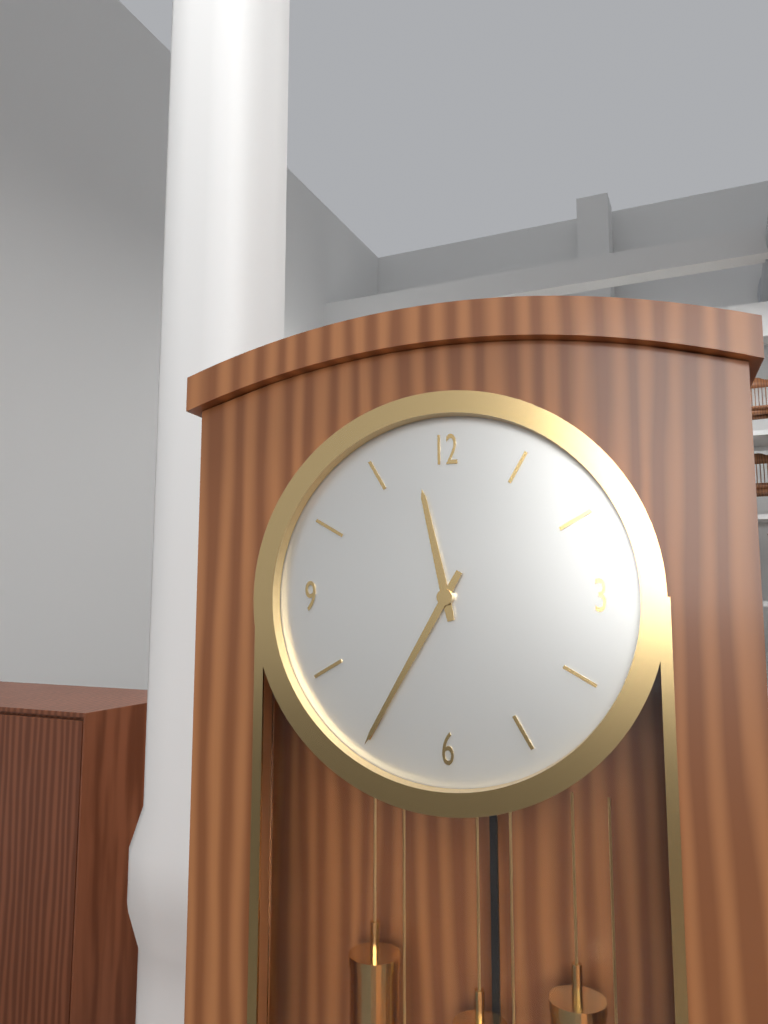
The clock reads 11,35
